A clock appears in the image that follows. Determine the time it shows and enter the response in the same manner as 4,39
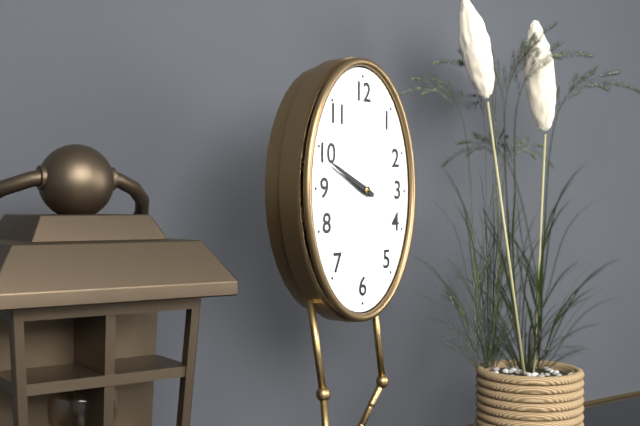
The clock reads 9,49
